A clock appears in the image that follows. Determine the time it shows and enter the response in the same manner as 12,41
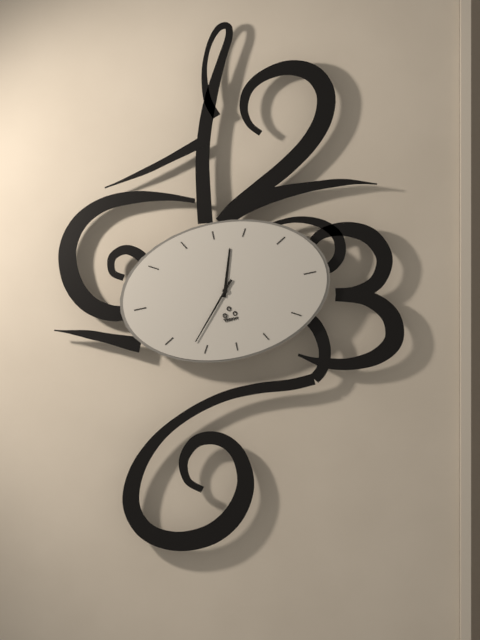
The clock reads 12,37
